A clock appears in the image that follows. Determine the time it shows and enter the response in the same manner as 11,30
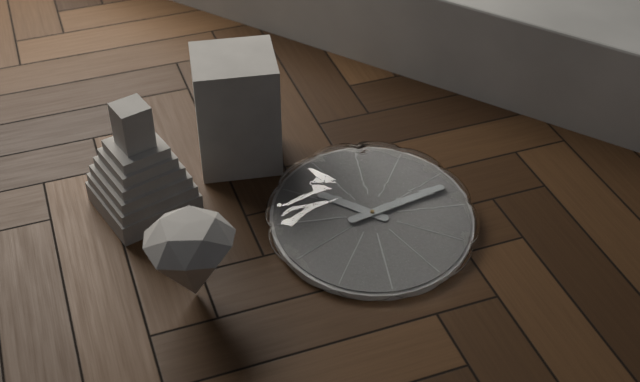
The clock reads 10,12
